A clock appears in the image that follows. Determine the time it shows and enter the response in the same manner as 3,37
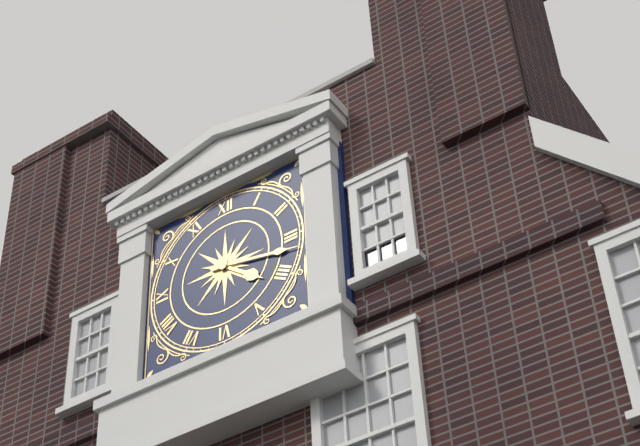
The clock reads 4,17
